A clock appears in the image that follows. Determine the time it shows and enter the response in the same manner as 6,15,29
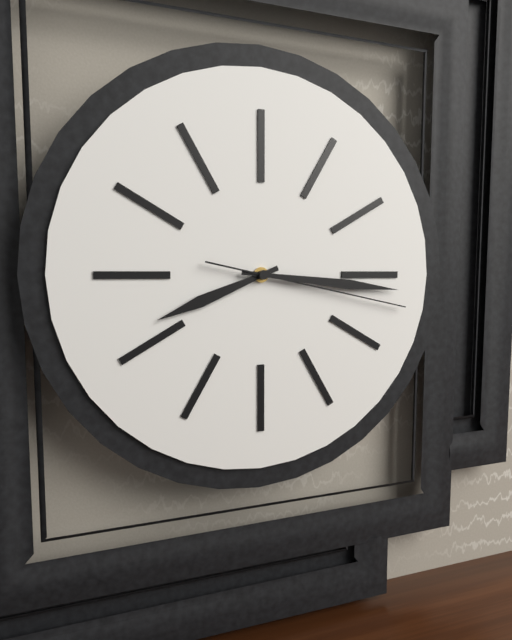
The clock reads 8,16,17
